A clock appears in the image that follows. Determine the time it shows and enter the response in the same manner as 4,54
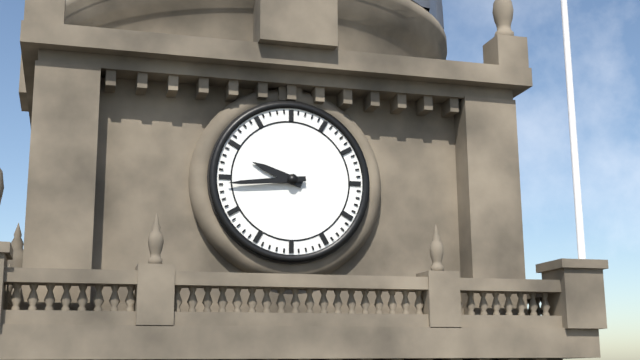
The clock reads 9,44
